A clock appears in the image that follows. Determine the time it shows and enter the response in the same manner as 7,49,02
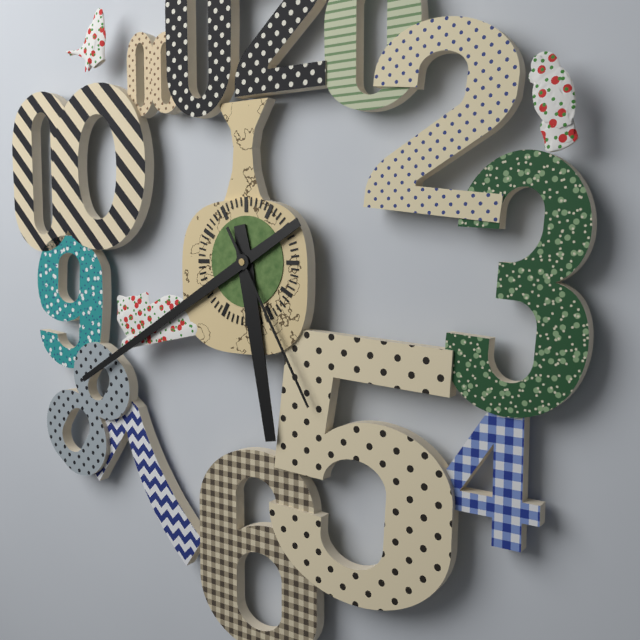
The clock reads 5,40,25
